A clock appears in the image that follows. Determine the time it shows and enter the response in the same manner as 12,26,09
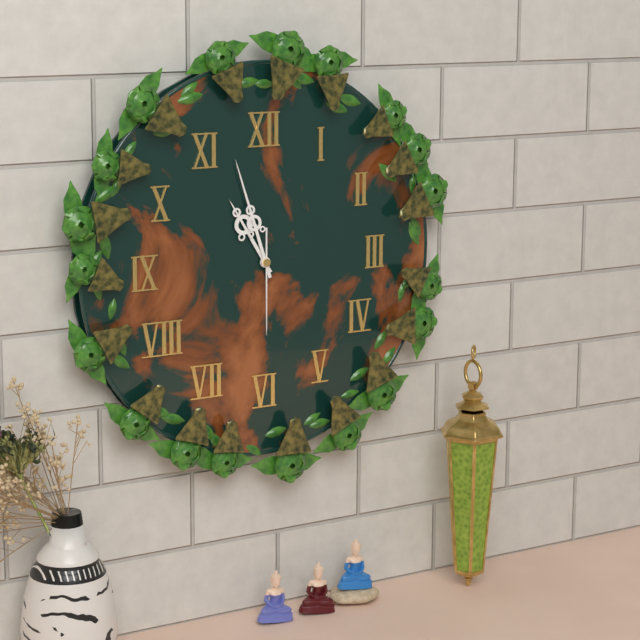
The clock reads 10,57,30
